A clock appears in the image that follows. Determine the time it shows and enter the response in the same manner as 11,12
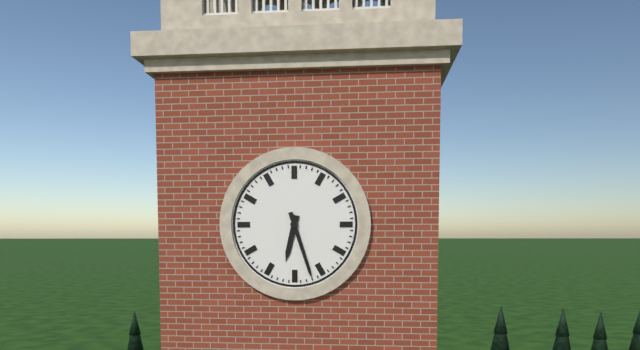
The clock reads 6,27
